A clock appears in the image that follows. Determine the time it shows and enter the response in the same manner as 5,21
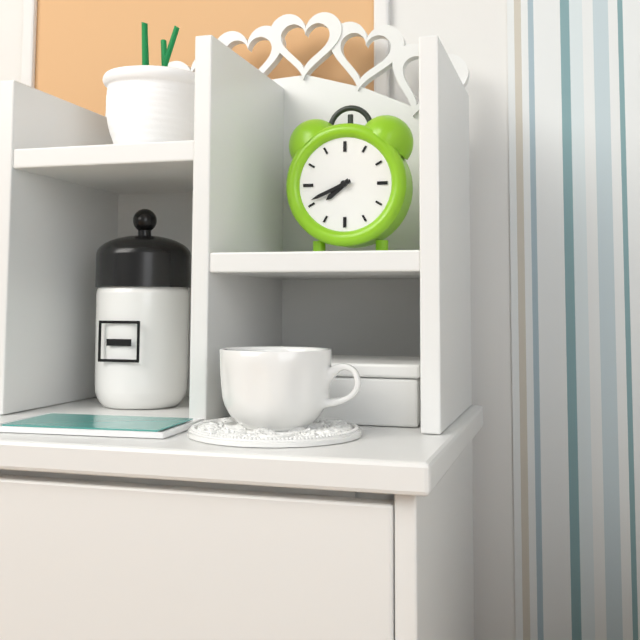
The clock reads 7,41
